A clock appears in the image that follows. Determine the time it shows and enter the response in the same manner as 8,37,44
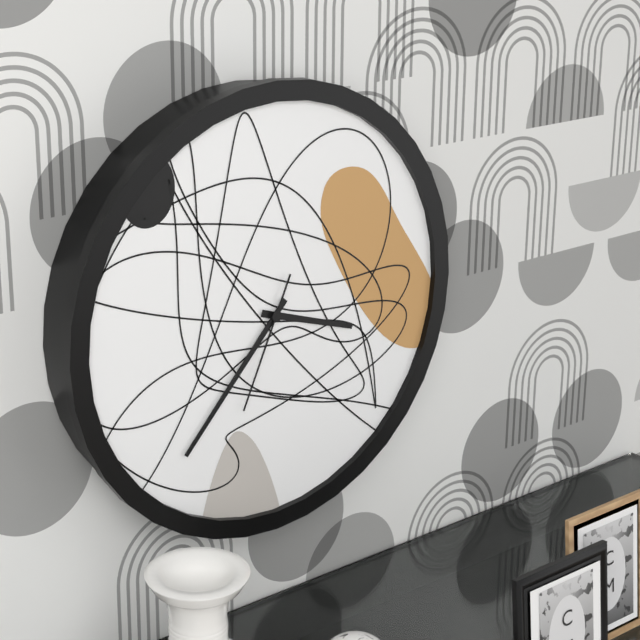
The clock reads 3,37,34
